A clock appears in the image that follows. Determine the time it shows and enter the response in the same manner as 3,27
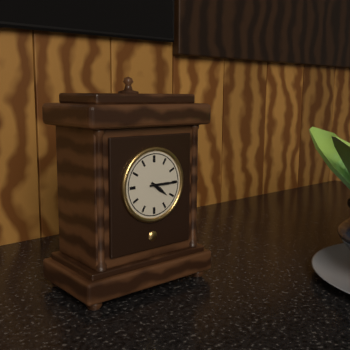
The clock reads 4,15
